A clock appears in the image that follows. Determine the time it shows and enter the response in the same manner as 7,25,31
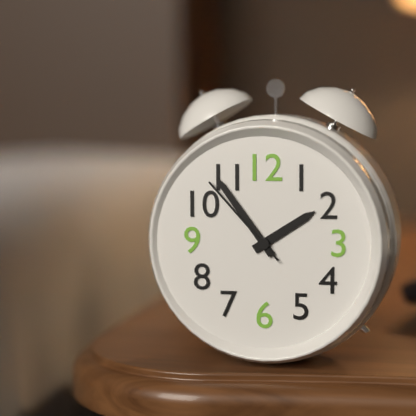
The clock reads 1,54,53
